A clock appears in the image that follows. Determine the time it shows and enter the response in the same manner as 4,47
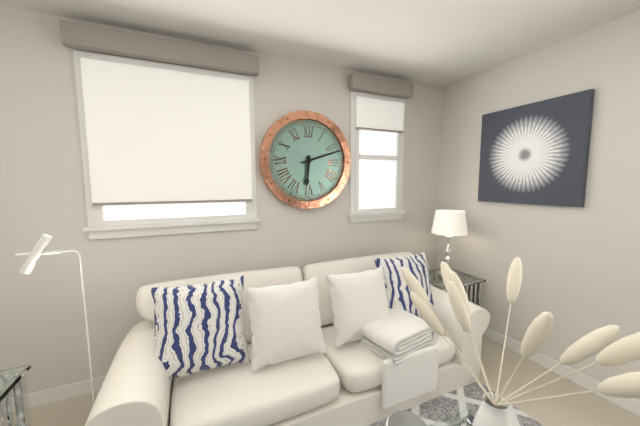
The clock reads 6,12
